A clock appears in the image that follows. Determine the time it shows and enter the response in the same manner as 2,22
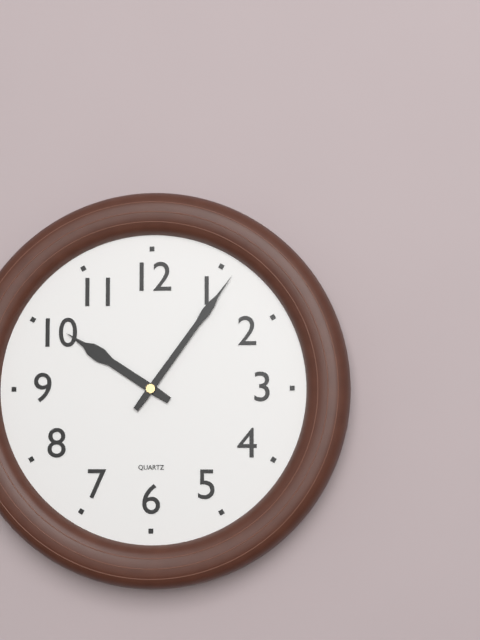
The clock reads 10,06
